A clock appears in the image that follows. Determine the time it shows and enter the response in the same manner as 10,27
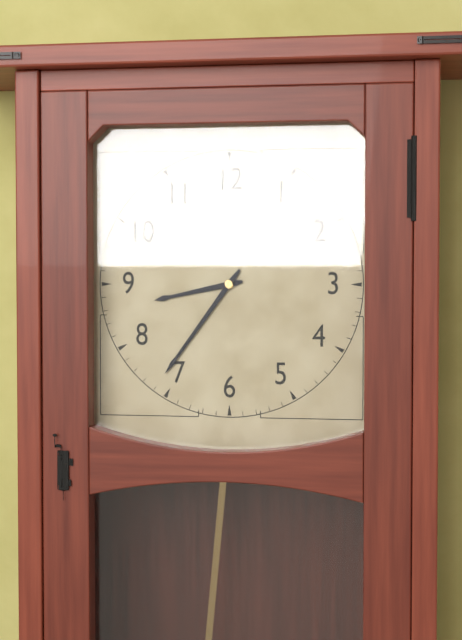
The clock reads 8,36
